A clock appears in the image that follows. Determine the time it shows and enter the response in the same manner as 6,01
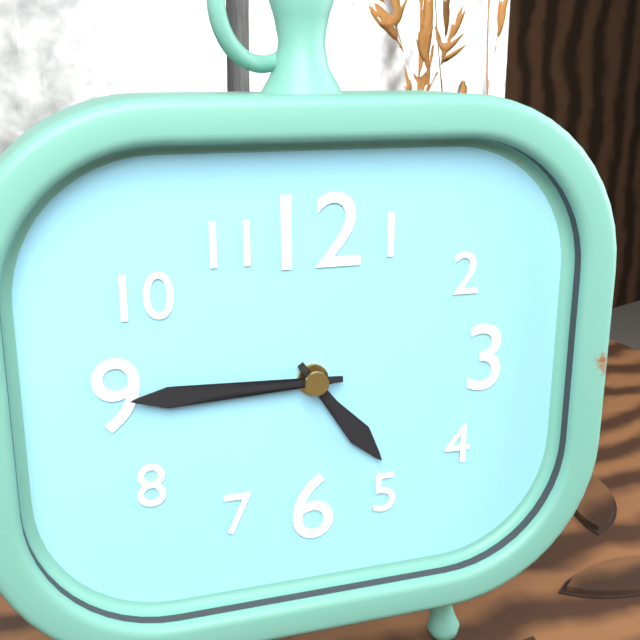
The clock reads 4,45
